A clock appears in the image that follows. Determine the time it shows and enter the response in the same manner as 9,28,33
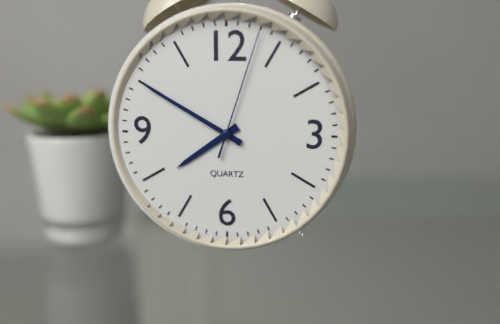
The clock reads 7,50,03
